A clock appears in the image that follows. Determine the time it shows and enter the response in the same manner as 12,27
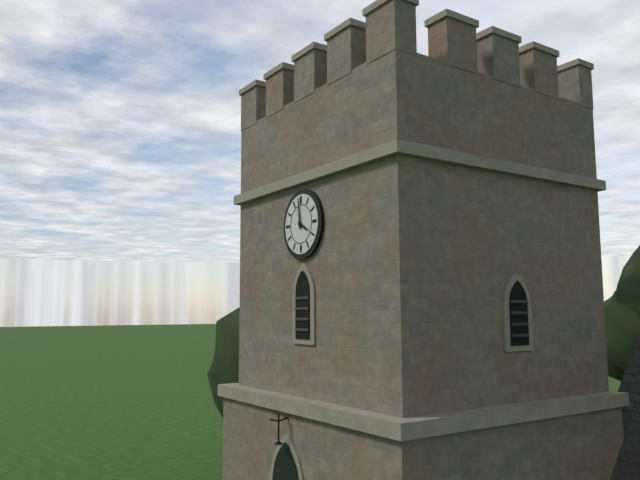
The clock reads 3,59
